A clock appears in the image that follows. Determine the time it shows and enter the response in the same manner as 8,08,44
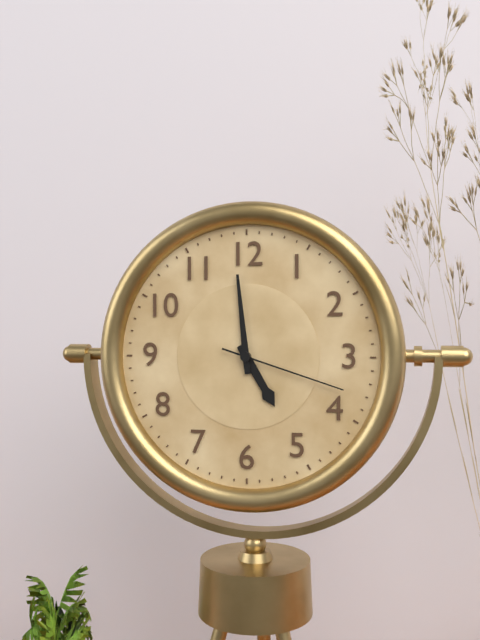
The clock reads 4,59,18
